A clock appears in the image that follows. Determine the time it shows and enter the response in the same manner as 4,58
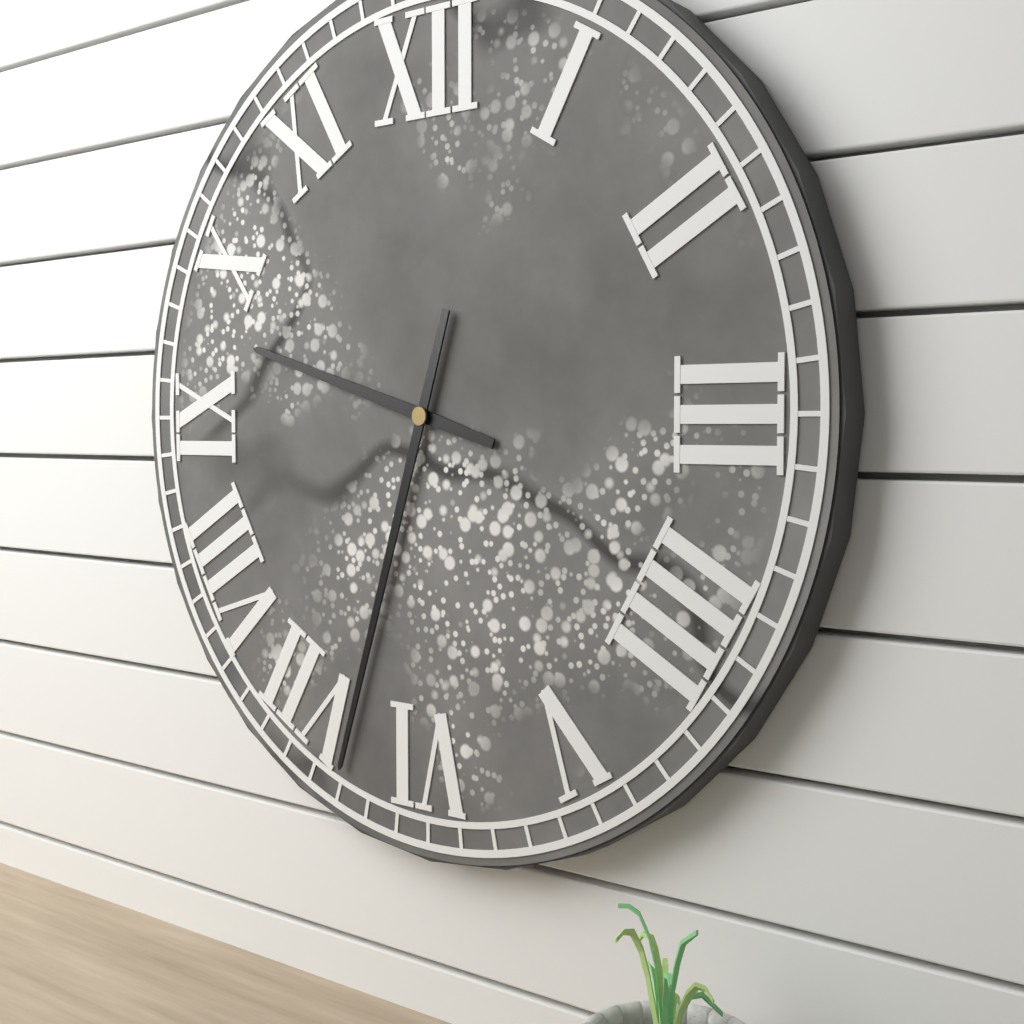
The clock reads 9,33
